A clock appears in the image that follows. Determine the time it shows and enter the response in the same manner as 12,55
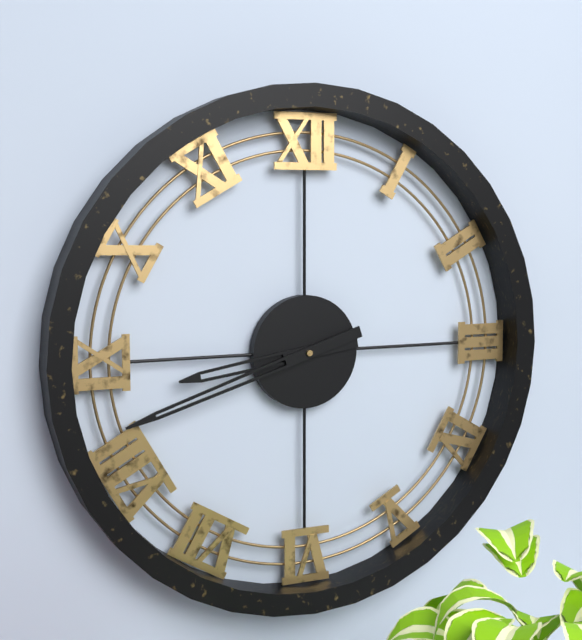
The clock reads 8,42
